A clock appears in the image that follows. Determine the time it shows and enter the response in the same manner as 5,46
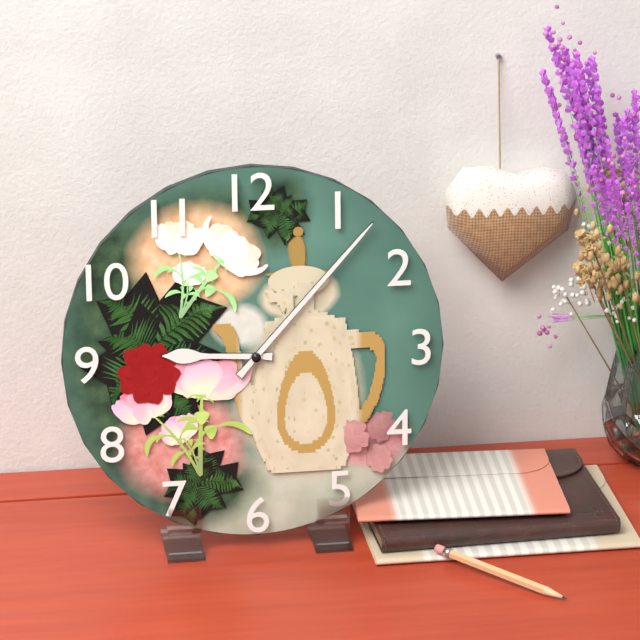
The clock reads 9,07
